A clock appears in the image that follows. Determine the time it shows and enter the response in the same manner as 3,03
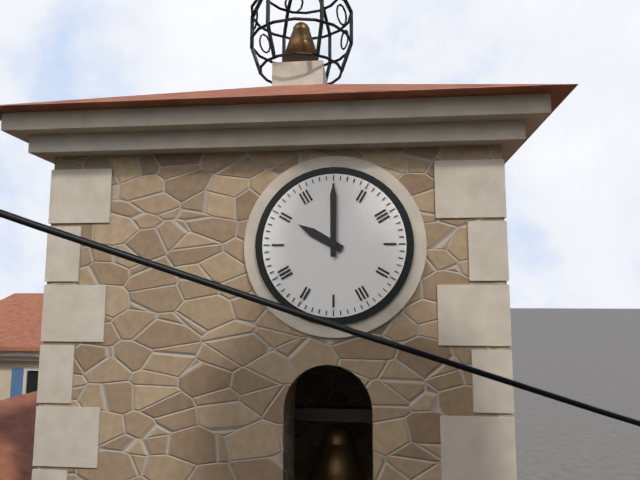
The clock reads 10,00
